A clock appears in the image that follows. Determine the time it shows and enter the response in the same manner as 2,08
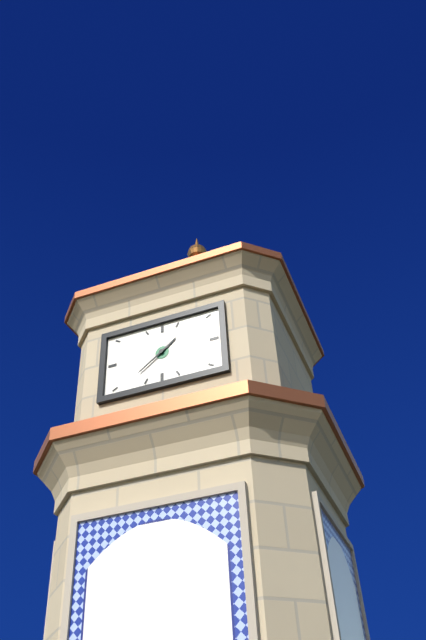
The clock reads 1,39
